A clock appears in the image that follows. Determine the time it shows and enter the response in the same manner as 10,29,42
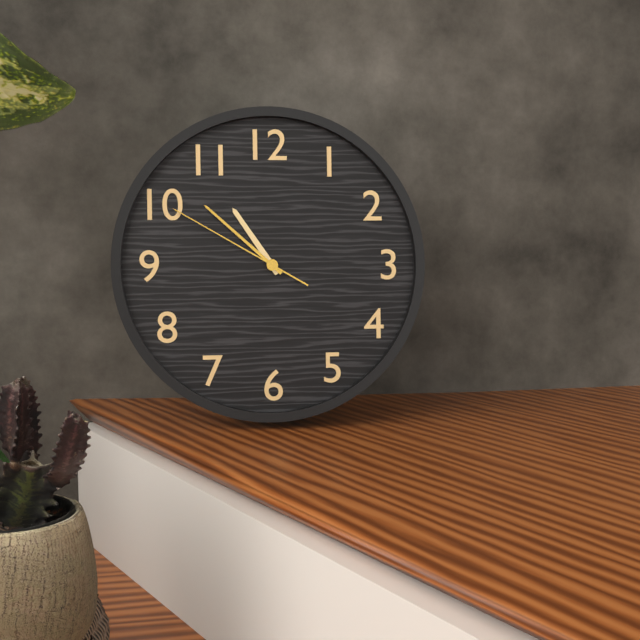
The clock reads 10,52,50
